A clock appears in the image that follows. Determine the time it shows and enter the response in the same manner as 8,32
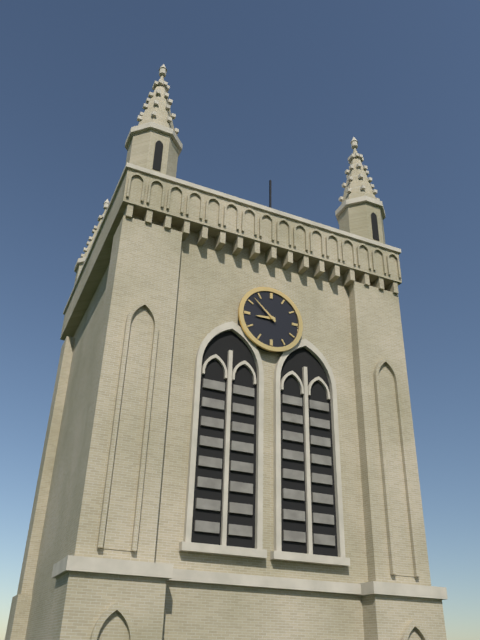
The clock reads 8,52
